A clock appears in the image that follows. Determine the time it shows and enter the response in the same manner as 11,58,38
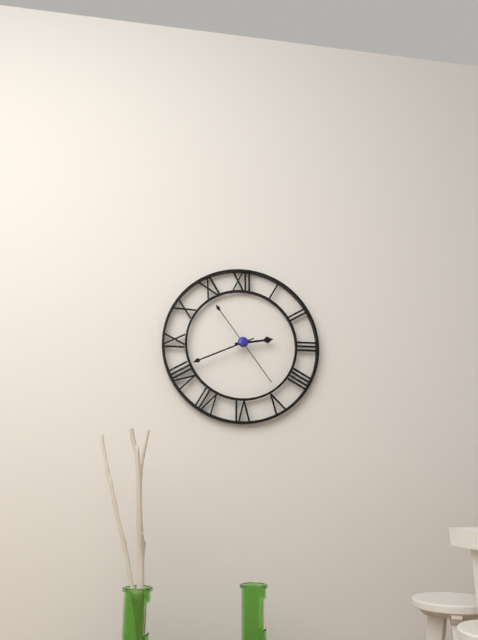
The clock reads 2,41,24
